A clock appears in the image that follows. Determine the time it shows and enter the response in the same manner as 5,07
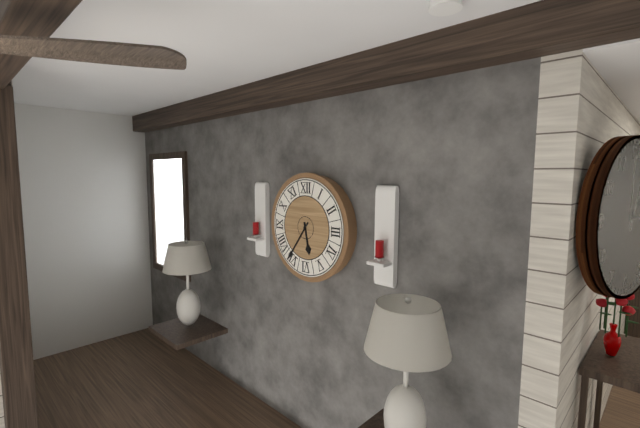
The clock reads 5,36
